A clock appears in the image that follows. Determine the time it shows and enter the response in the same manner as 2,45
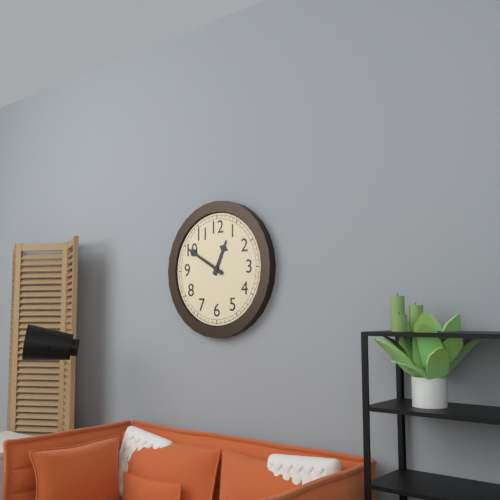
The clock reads 12,50
